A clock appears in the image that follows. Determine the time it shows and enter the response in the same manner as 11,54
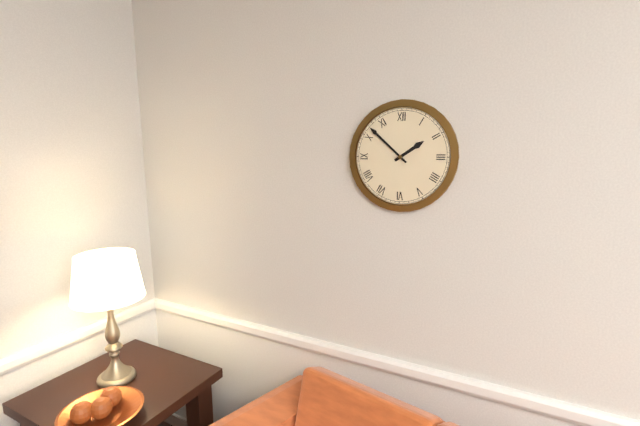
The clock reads 1,52
